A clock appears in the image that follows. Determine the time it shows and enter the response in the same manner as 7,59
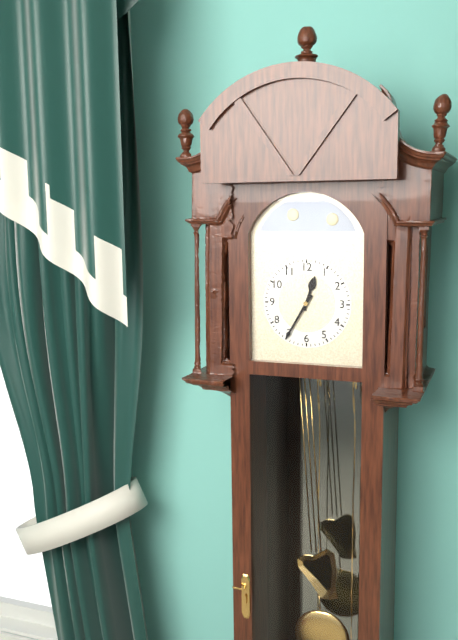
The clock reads 12,35
